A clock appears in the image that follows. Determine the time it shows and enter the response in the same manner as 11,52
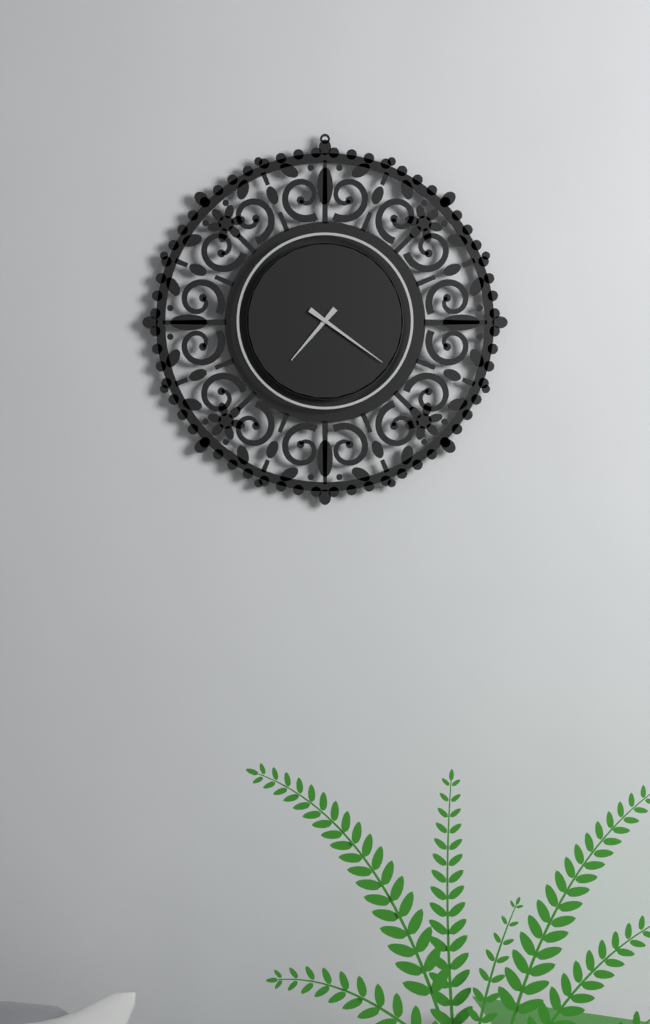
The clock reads 7,21
